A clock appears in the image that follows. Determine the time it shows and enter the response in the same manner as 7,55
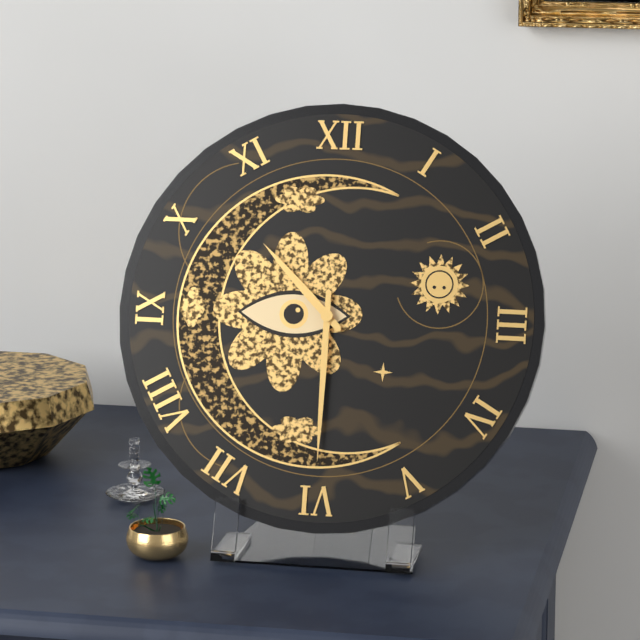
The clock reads 10,30
